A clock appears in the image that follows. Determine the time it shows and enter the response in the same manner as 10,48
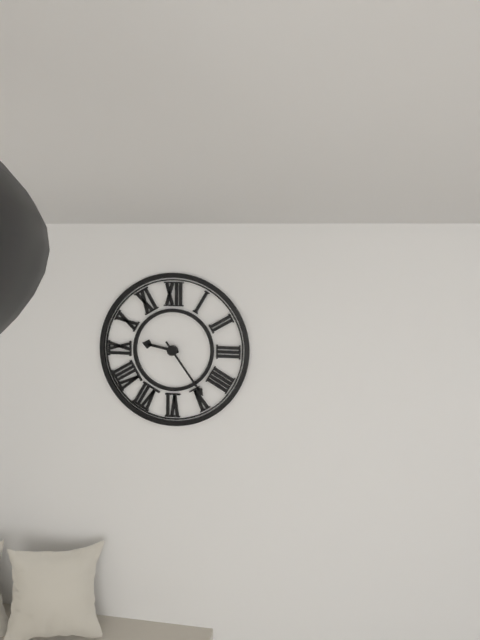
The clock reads 9,24
